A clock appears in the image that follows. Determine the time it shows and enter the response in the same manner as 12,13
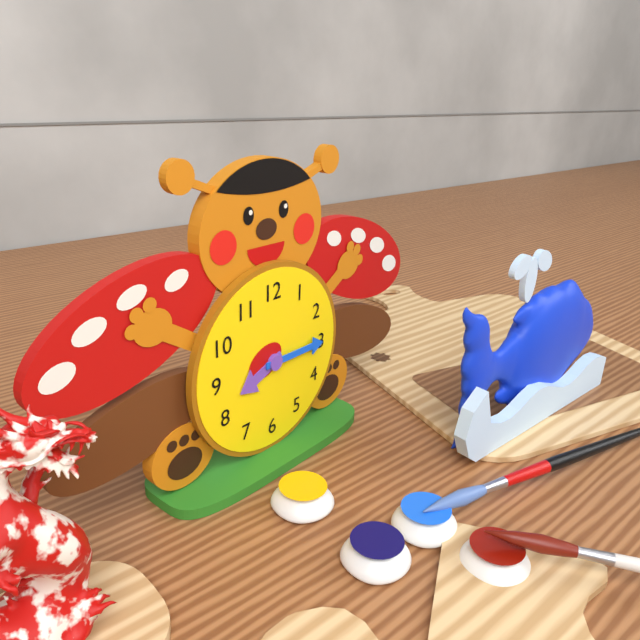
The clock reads 8,15
